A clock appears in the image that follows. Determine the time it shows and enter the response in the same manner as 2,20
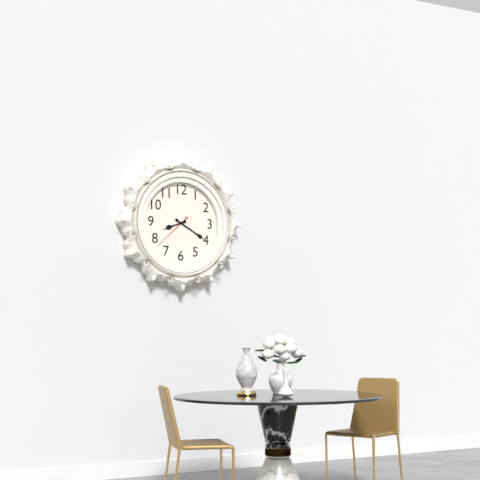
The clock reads 8,20
